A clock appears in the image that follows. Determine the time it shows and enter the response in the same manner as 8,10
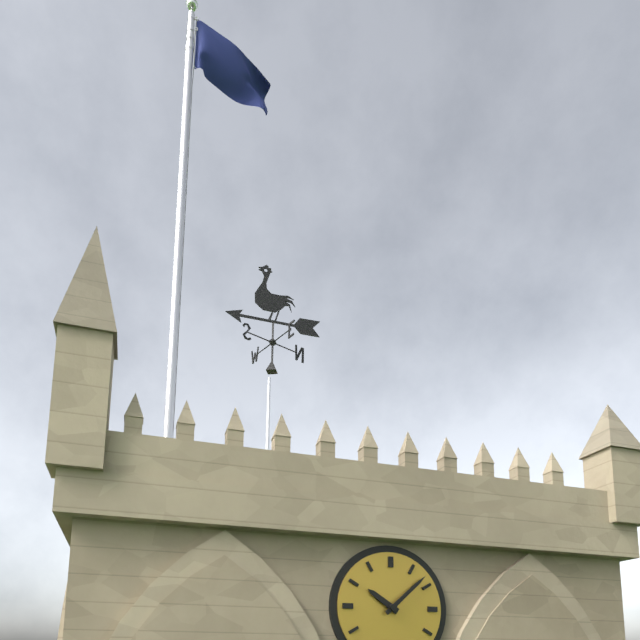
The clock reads 10,08
